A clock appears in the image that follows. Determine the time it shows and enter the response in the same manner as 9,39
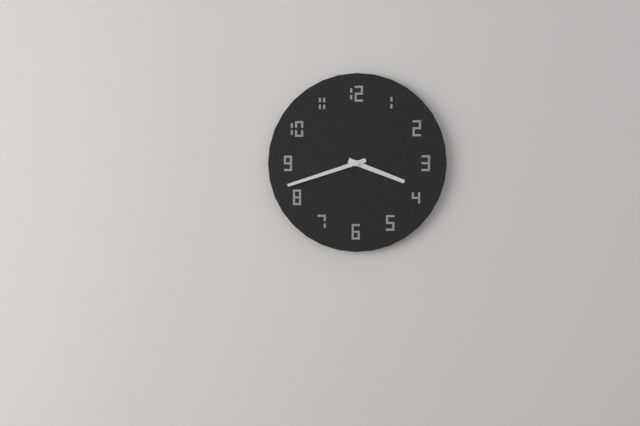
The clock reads 3,42
